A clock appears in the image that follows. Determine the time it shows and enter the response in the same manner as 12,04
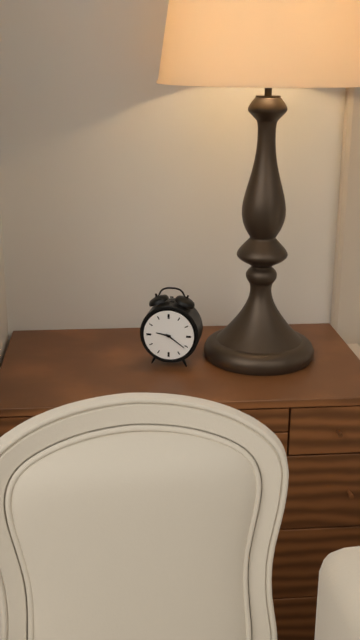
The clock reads 9,21
